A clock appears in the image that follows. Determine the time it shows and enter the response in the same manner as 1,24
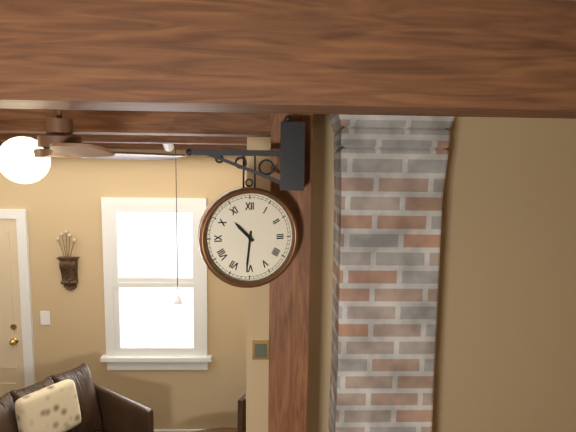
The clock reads 10,31
